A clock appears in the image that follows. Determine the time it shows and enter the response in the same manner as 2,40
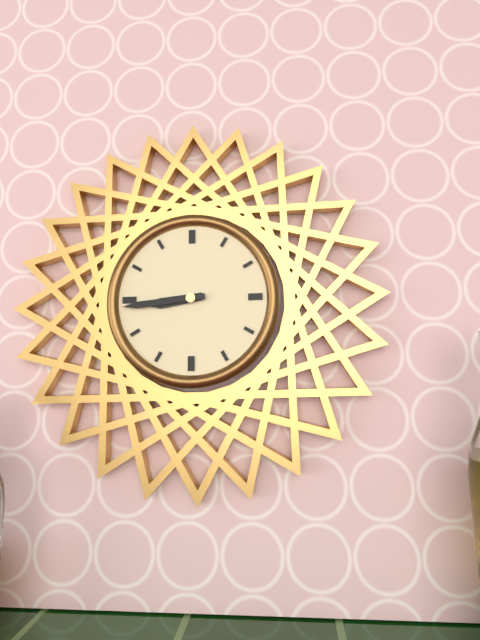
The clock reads 8,44
